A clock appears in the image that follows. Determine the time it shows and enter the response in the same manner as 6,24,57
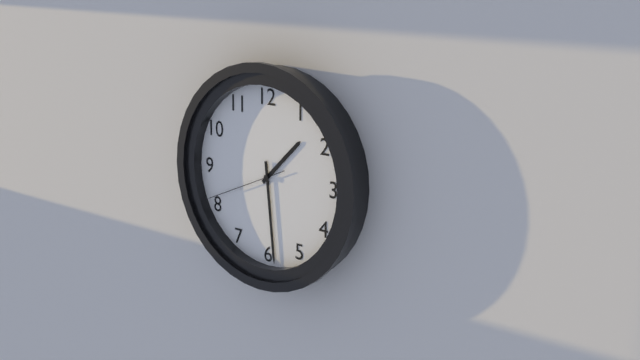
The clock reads 1,29,41
